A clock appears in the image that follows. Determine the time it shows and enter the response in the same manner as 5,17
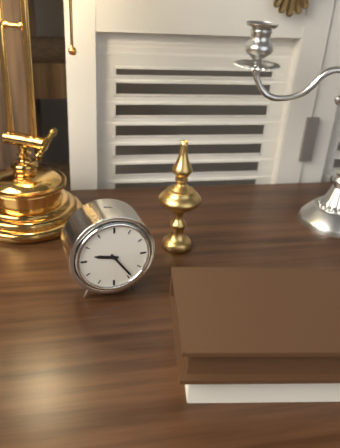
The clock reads 9,24
